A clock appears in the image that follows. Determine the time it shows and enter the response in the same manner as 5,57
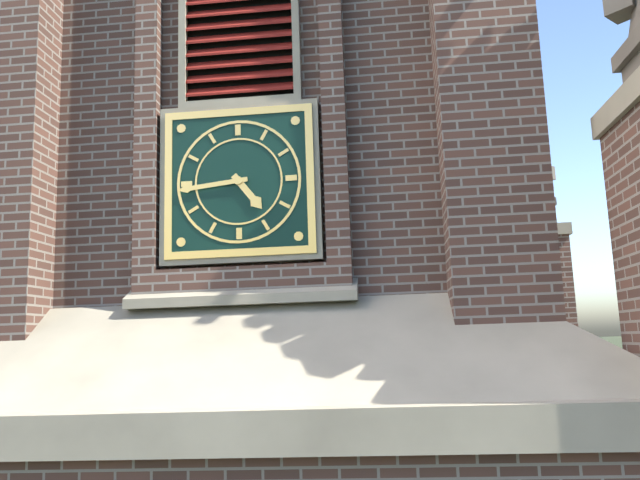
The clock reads 4,44
